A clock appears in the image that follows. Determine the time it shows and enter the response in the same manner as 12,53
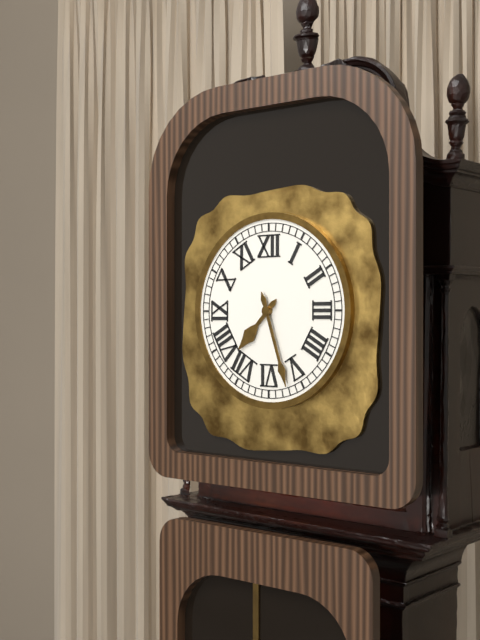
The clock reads 7,27
